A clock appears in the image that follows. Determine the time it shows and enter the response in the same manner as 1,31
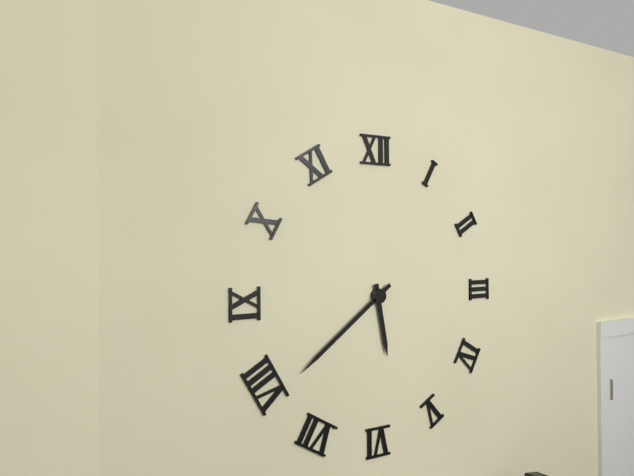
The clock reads 5,39
